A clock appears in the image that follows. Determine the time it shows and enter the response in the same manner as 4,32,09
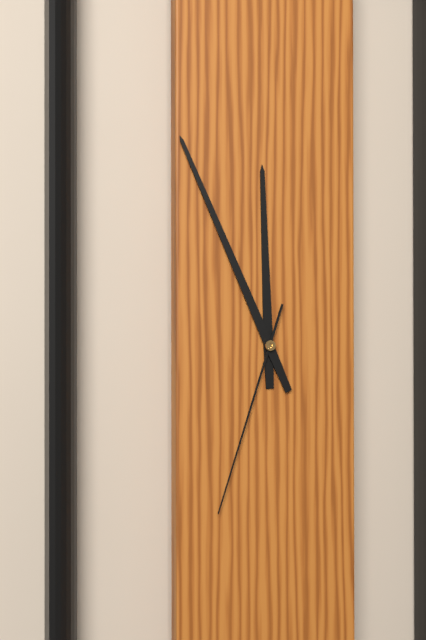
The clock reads 11,56,33
